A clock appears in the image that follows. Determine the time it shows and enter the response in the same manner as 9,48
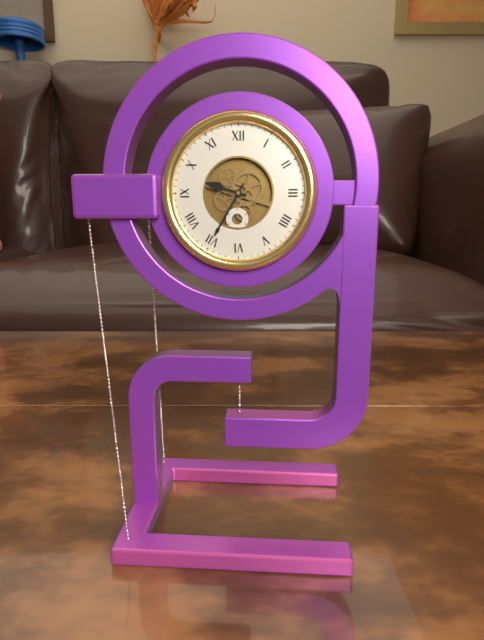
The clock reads 9,35
